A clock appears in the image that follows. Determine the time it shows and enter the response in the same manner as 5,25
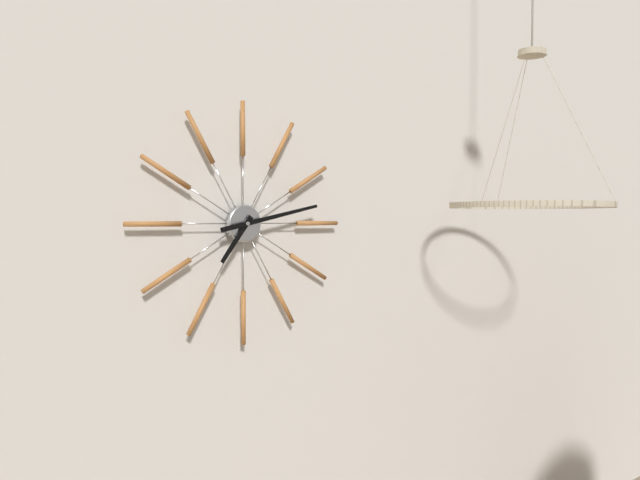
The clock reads 7,13
